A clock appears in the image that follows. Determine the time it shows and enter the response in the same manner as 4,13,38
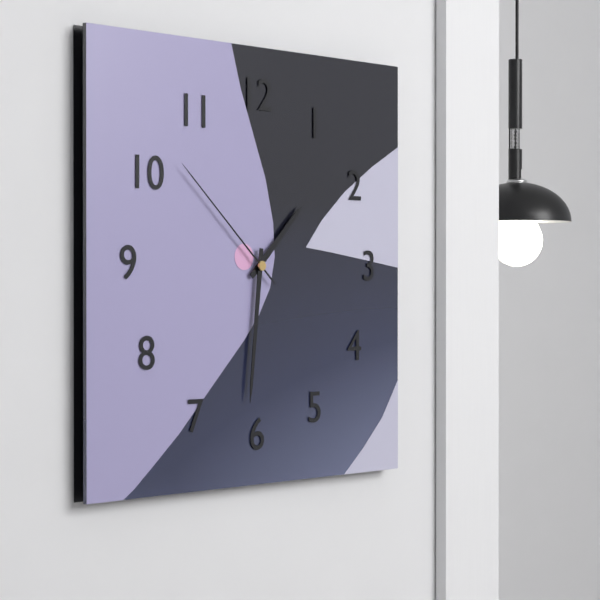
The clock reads 1,31,52
